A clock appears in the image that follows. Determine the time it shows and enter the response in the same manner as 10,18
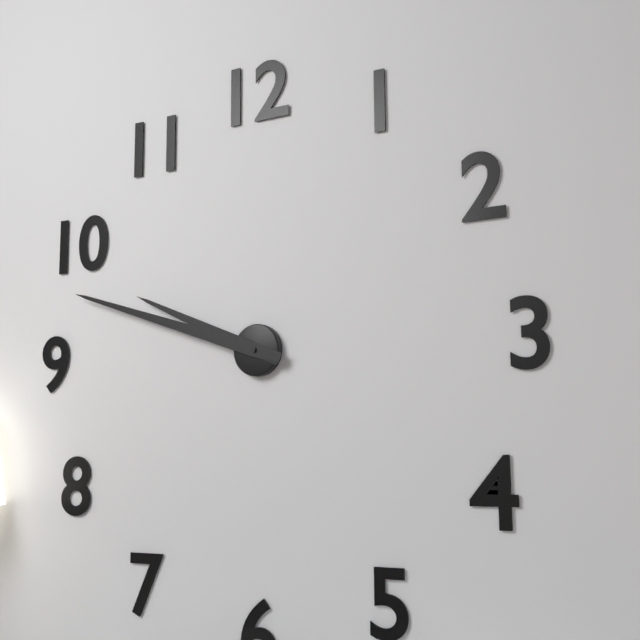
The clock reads 9,48
